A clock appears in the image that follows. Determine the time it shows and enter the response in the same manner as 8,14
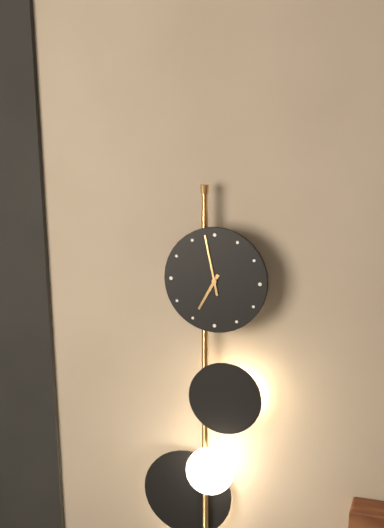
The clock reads 6,58
